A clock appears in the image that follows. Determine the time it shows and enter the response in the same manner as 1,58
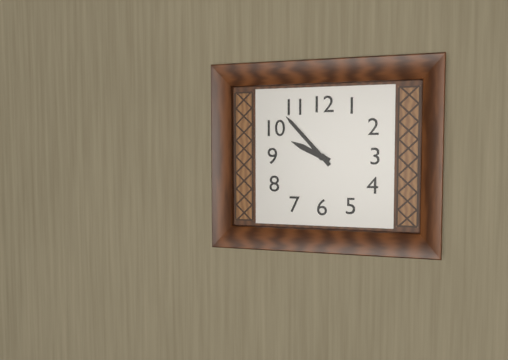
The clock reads 9,53
